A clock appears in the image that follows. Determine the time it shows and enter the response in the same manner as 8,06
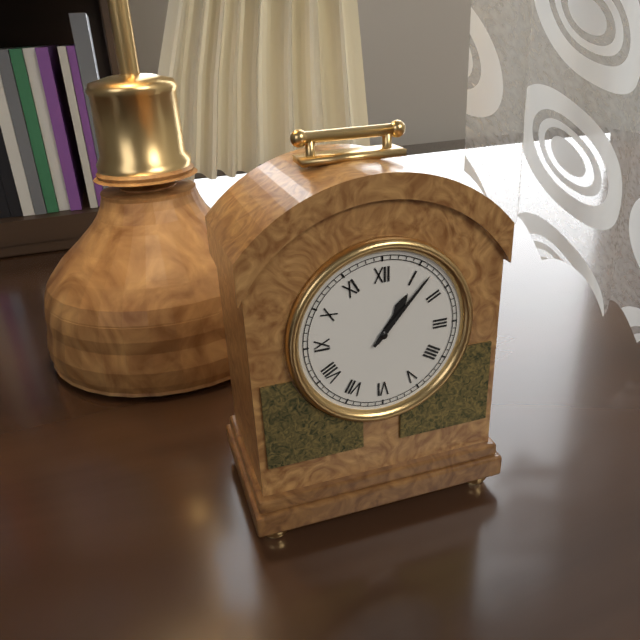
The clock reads 1,07
